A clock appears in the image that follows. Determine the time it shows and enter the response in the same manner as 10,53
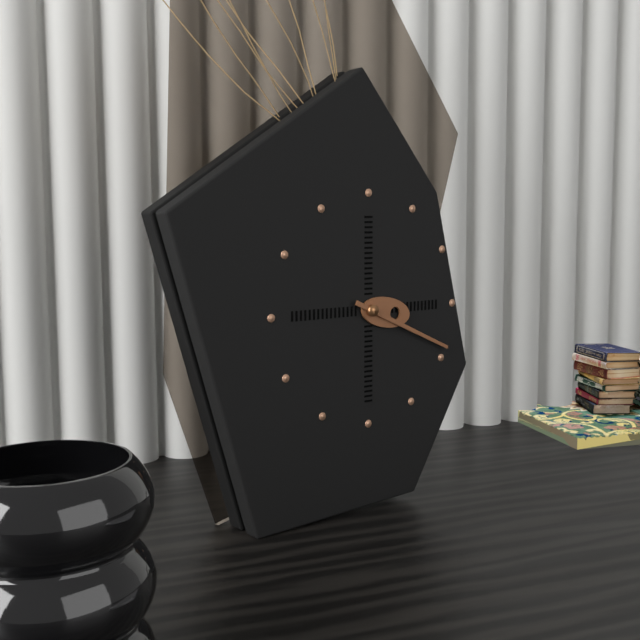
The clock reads 3,19
